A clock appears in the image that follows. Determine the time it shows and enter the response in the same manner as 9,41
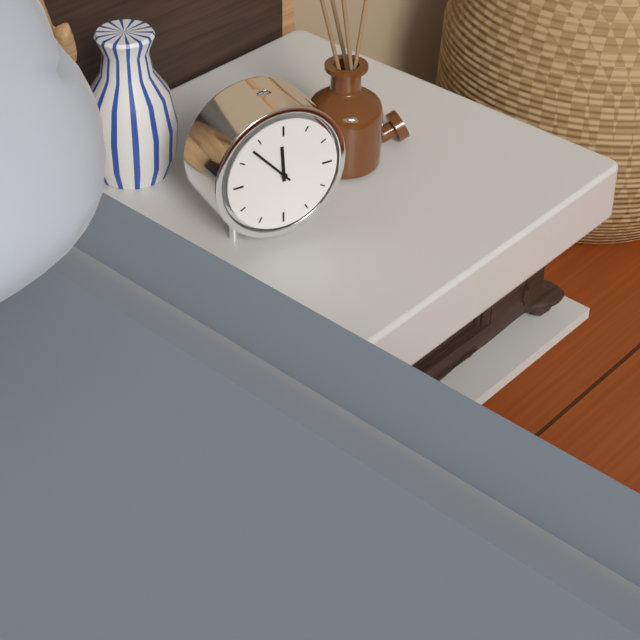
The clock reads 11,53
